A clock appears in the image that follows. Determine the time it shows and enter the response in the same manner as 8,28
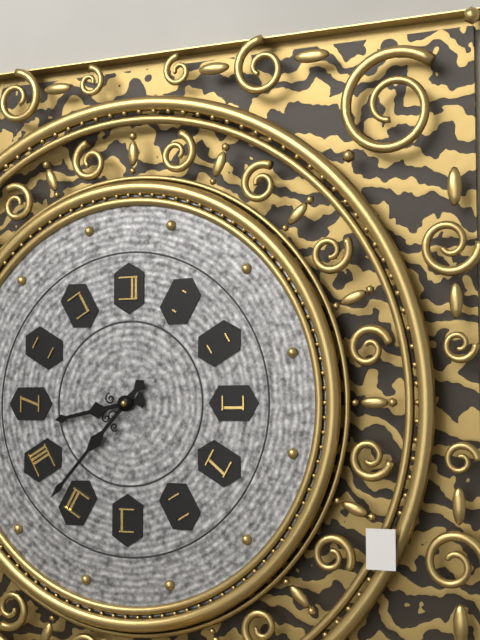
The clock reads 8,37
